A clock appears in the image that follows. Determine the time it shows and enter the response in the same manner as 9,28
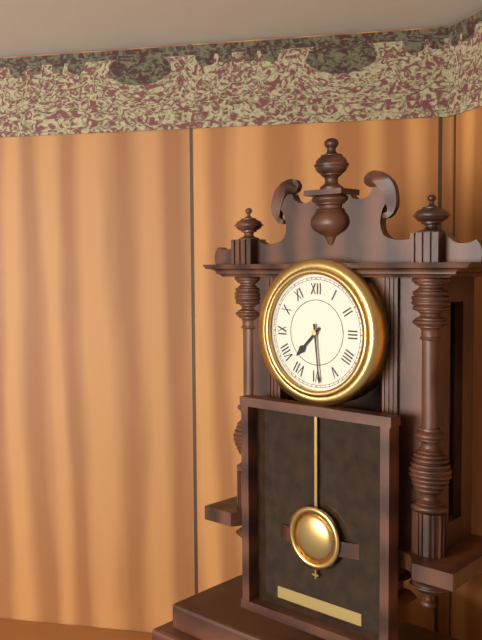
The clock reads 7,29
